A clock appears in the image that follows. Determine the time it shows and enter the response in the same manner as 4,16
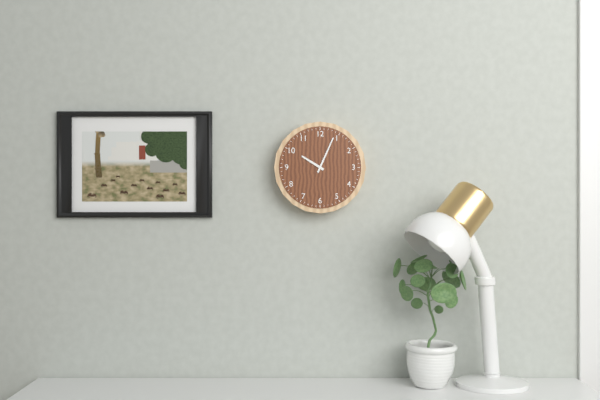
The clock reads 10,04
